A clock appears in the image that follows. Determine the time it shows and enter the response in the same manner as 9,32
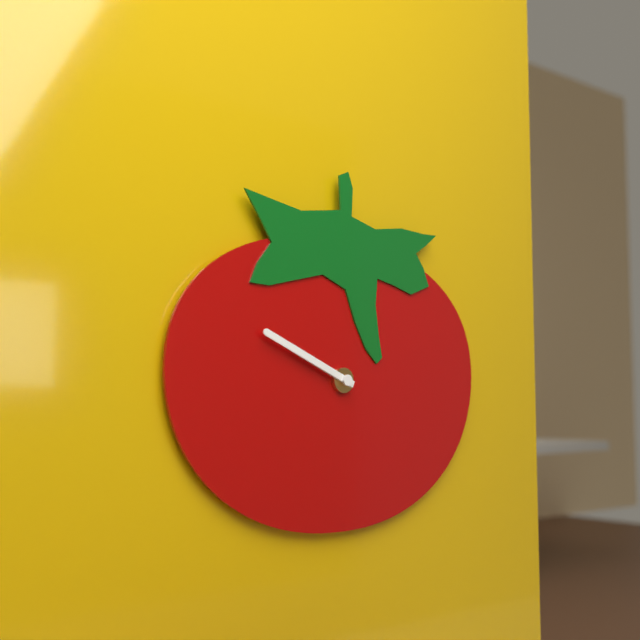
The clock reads 9,49
